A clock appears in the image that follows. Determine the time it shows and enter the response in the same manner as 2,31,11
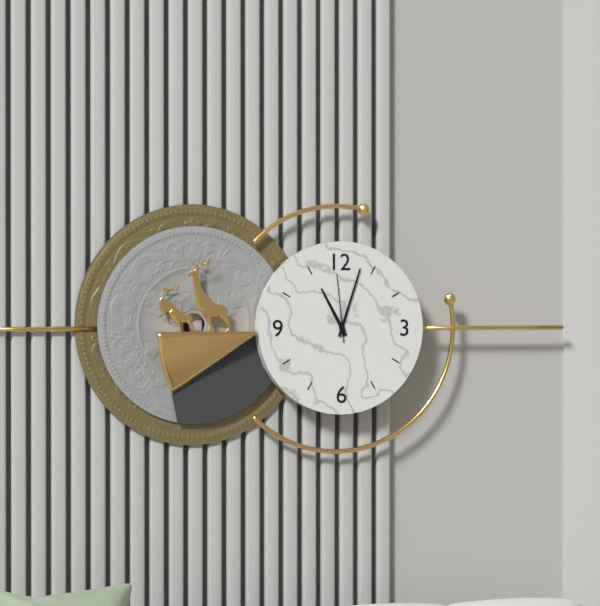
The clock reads 11,03,59
